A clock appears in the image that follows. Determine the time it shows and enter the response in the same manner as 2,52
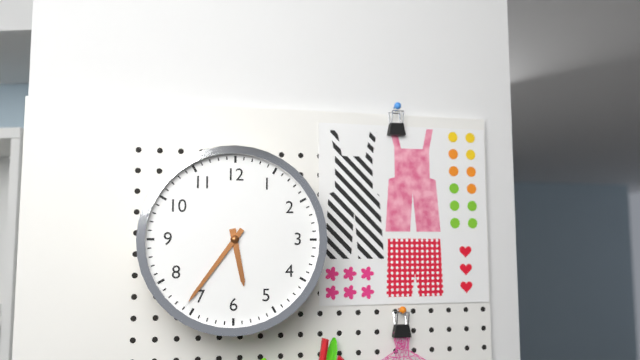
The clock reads 5,36
